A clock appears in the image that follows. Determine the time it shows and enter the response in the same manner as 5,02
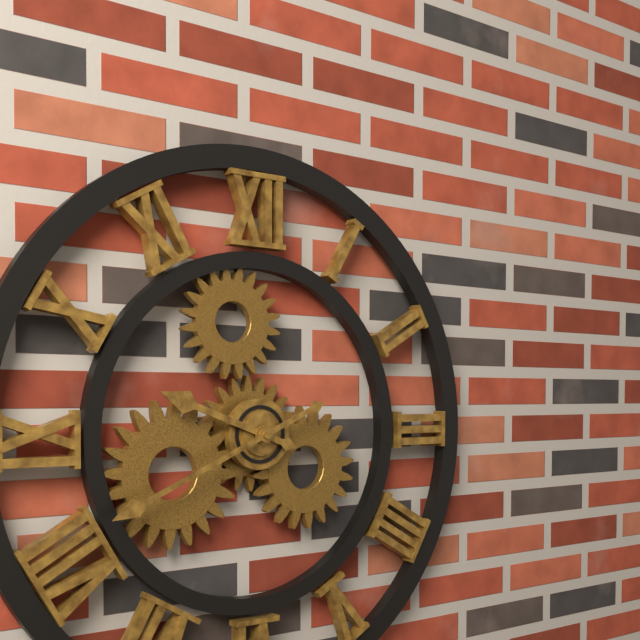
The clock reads 9,41
